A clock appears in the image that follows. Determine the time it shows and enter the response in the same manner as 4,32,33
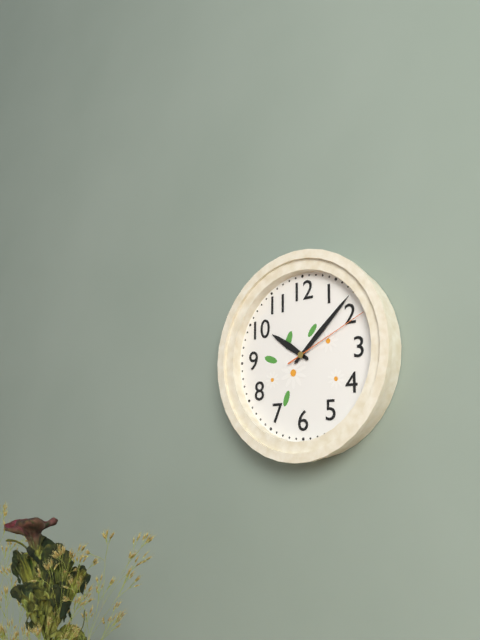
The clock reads 10,08,11
